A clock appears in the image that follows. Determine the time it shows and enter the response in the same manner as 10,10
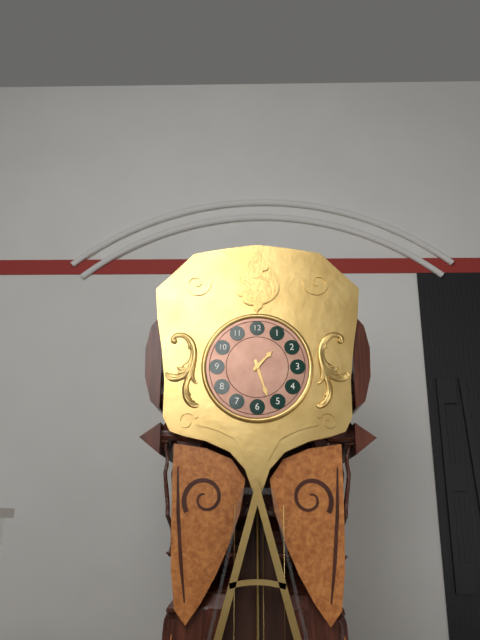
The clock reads 1,27
